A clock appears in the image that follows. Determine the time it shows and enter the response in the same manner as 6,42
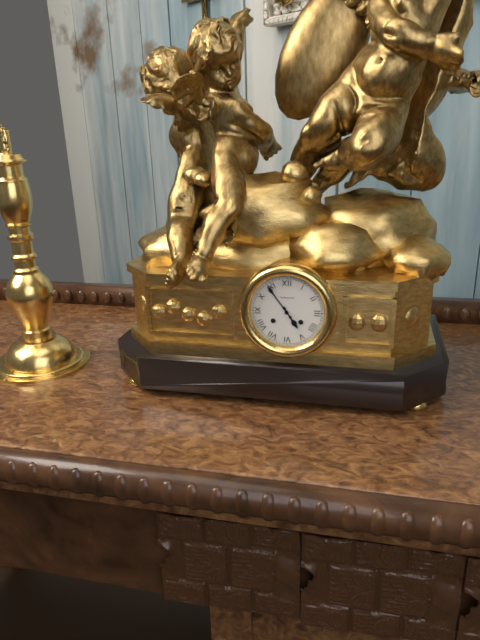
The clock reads 4,54
